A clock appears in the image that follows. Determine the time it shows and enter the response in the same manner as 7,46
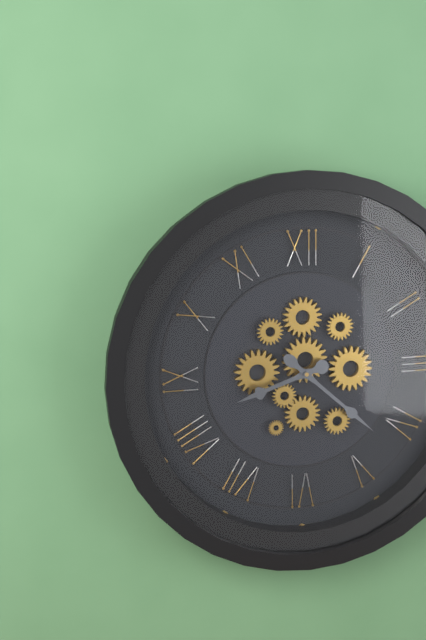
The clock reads 8,22
